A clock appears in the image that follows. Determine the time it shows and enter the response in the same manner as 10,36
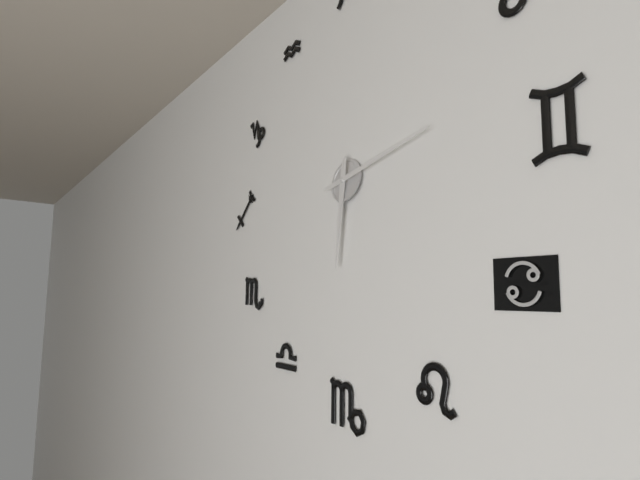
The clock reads 6,13
